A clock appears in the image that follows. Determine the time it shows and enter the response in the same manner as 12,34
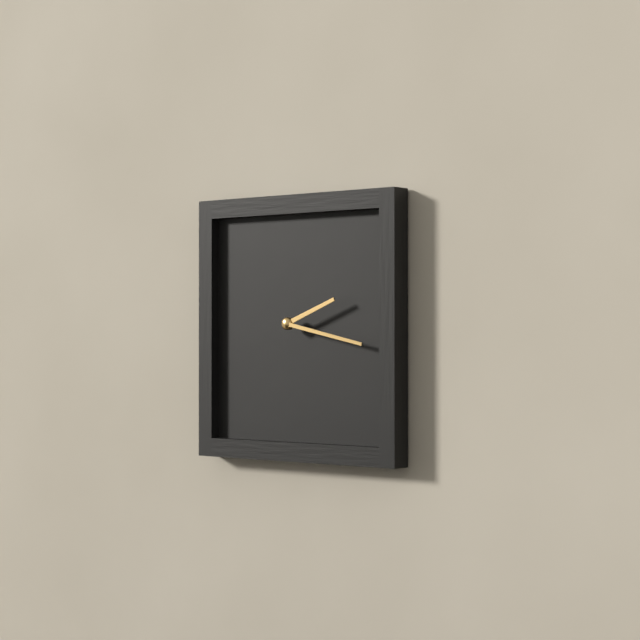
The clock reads 2,17
